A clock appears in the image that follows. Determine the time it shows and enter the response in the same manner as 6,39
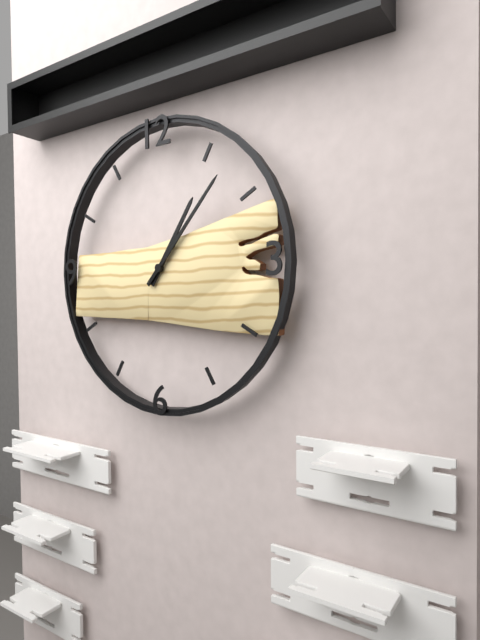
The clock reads 1,07
